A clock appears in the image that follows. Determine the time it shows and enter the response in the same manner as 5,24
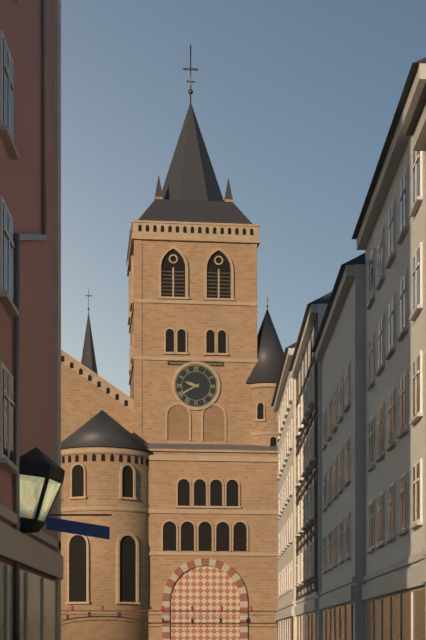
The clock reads 9,40
